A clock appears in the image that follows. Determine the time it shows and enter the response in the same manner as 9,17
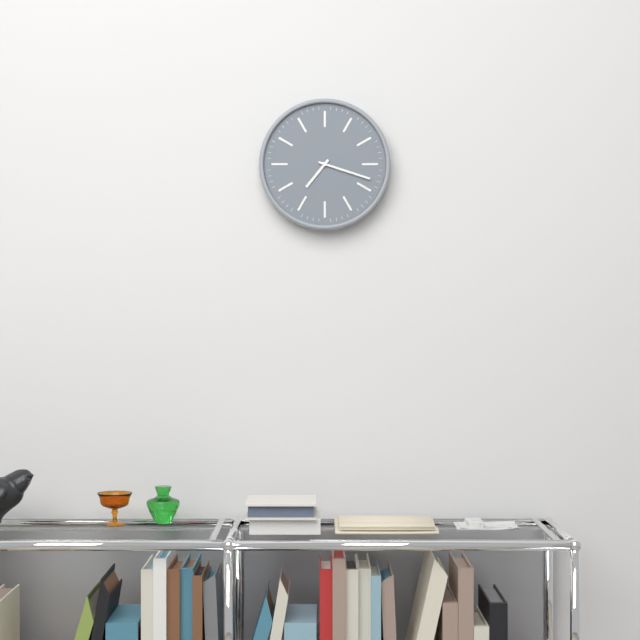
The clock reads 7,18
